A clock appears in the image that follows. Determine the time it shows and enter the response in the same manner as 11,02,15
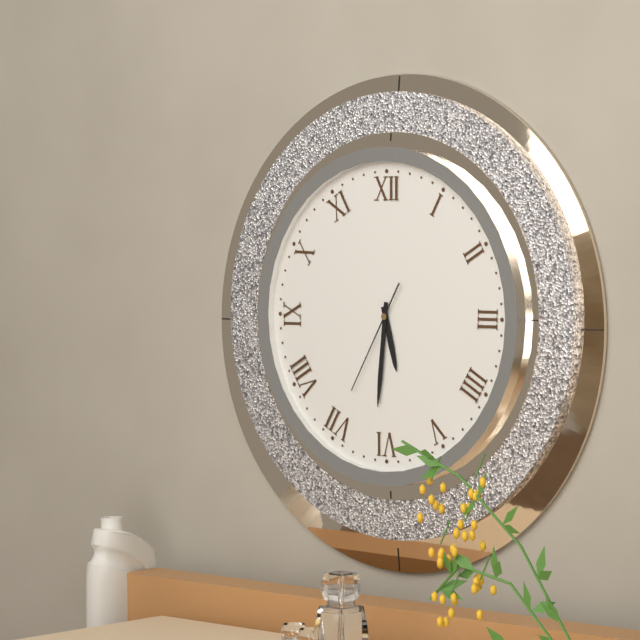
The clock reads 5,31,35
